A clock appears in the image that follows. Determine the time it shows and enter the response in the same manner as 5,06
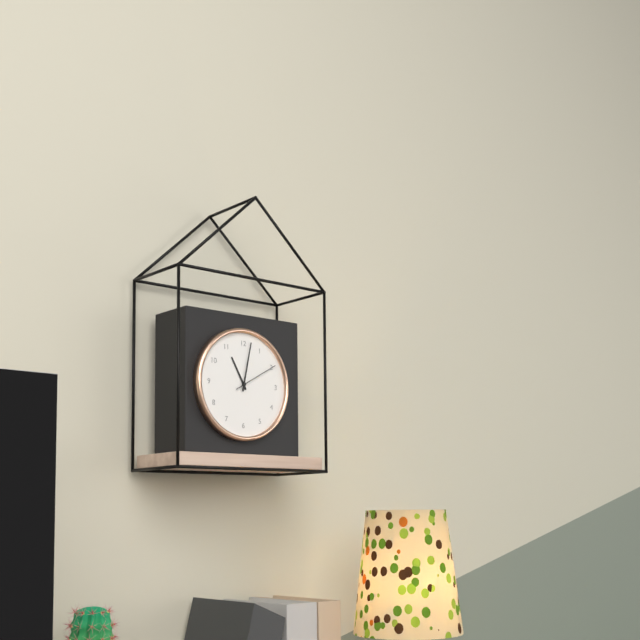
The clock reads 11,02
